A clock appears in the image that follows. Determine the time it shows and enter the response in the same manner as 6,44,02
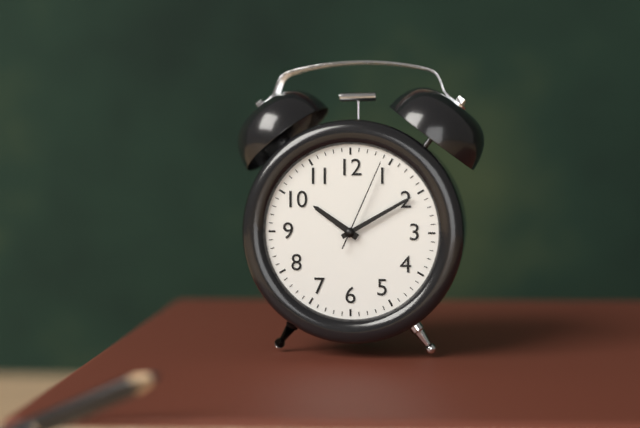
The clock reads 10,10,04
